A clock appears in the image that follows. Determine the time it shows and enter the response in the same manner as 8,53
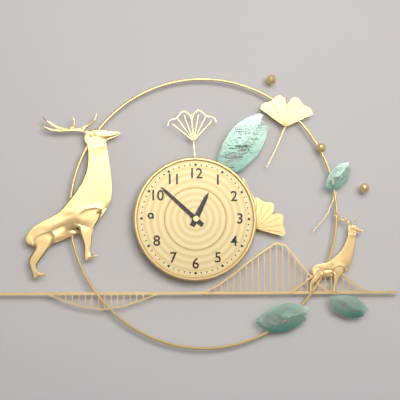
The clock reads 12,52
